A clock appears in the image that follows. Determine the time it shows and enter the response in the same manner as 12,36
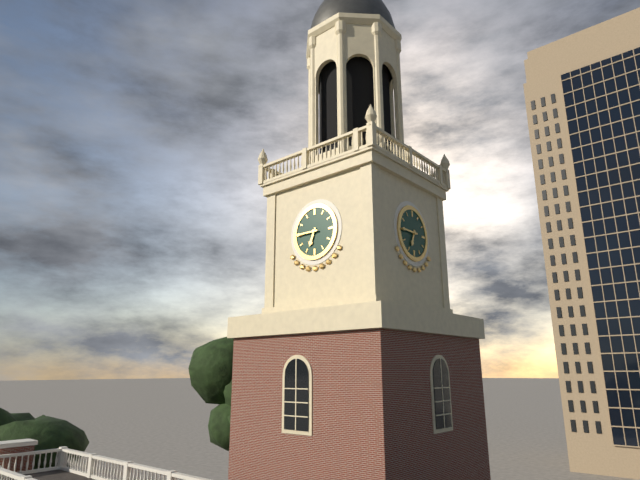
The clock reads 6,45
